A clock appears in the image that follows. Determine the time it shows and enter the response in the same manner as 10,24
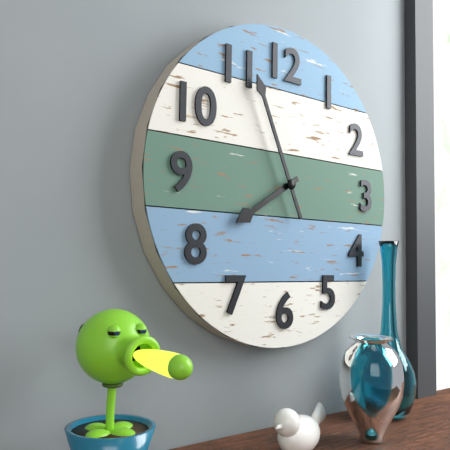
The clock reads 7,56
